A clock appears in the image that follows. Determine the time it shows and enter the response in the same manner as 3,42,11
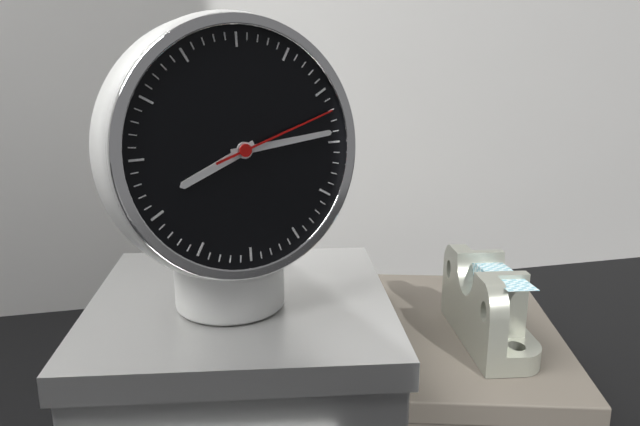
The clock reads 8,14,12
